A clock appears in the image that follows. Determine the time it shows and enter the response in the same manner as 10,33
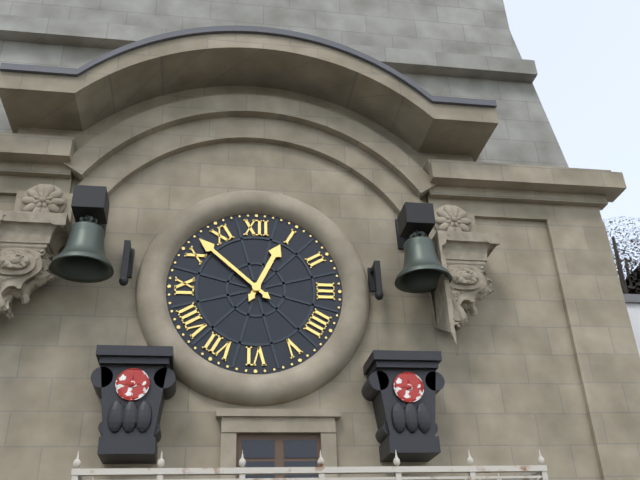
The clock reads 12,52
